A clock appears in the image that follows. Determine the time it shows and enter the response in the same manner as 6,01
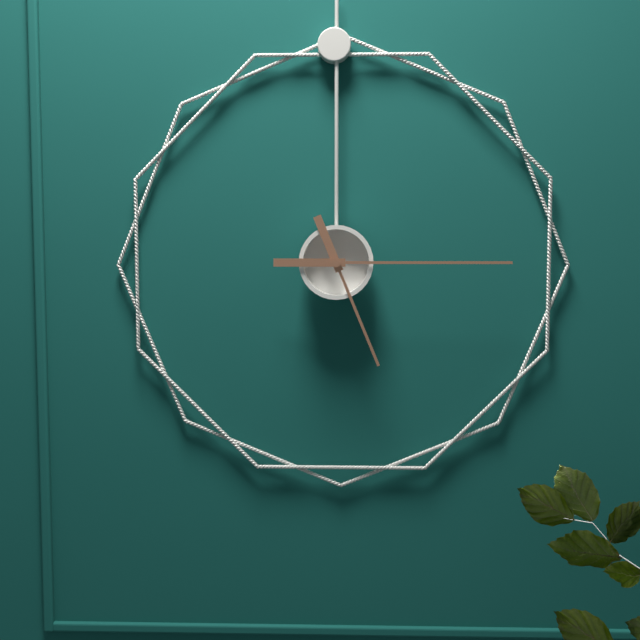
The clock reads 5,15
